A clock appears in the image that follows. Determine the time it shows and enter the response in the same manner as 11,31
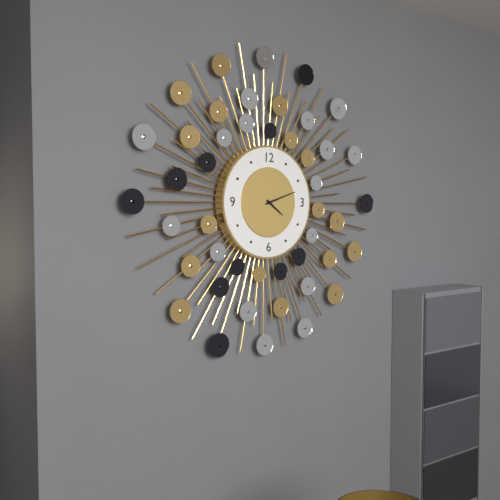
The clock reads 4,12
